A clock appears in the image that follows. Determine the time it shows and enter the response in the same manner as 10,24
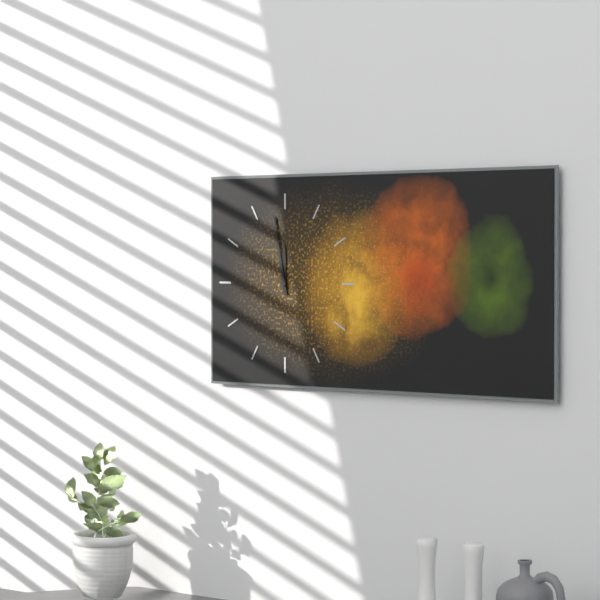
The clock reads 11,58
